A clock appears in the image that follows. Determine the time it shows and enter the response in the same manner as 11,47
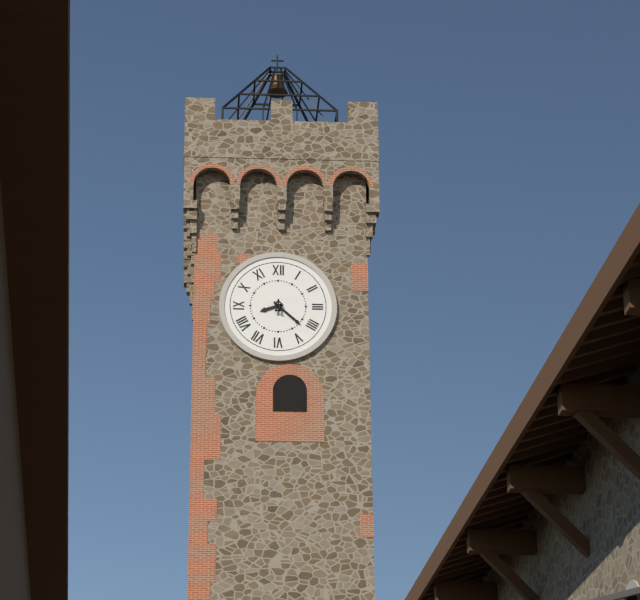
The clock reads 8,22
